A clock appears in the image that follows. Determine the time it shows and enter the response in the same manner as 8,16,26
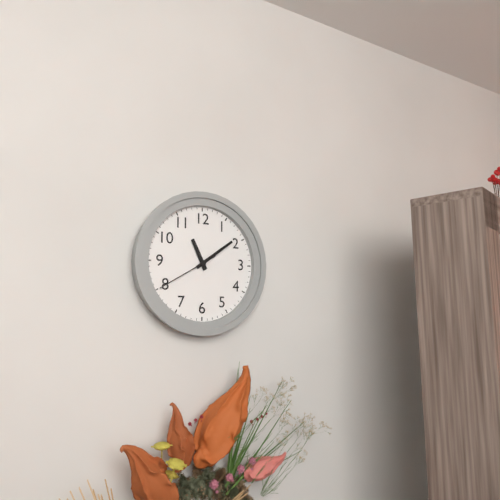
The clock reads 11,09,40
